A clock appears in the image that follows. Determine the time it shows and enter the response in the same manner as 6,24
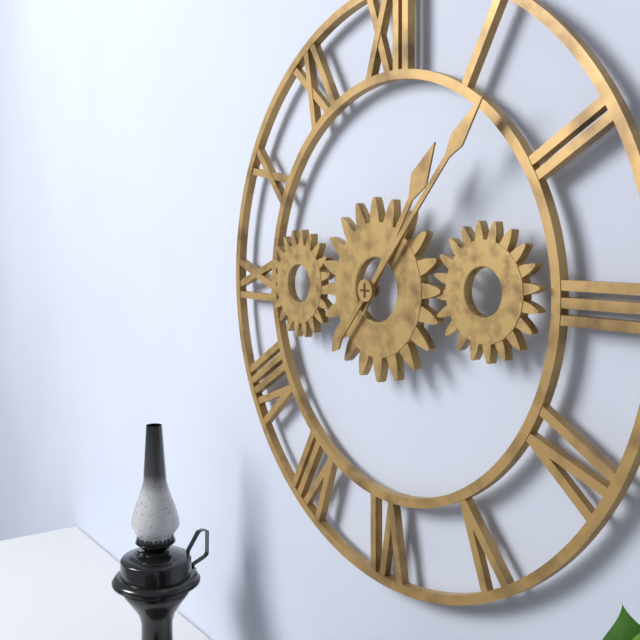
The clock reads 1,07
